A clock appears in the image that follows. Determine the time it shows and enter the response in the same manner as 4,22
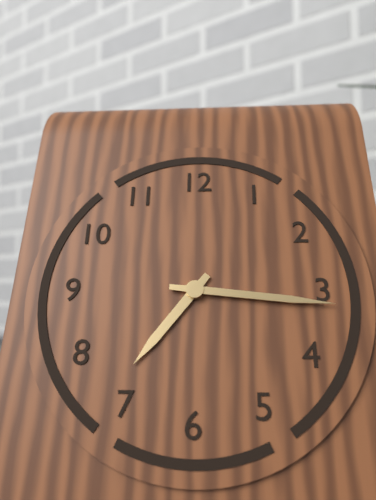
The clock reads 7,16
